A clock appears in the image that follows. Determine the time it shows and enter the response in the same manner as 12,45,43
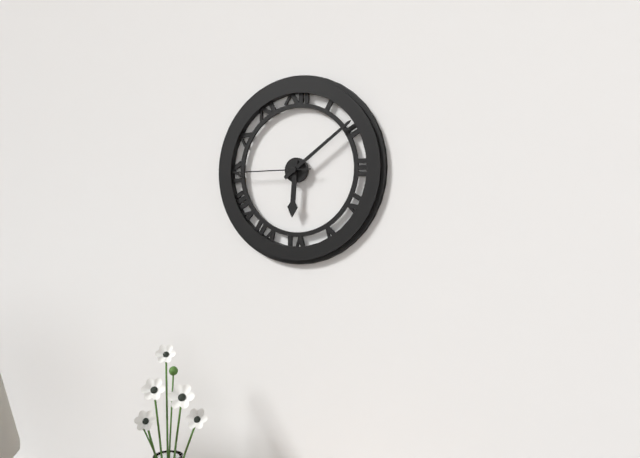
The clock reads 6,09,45
